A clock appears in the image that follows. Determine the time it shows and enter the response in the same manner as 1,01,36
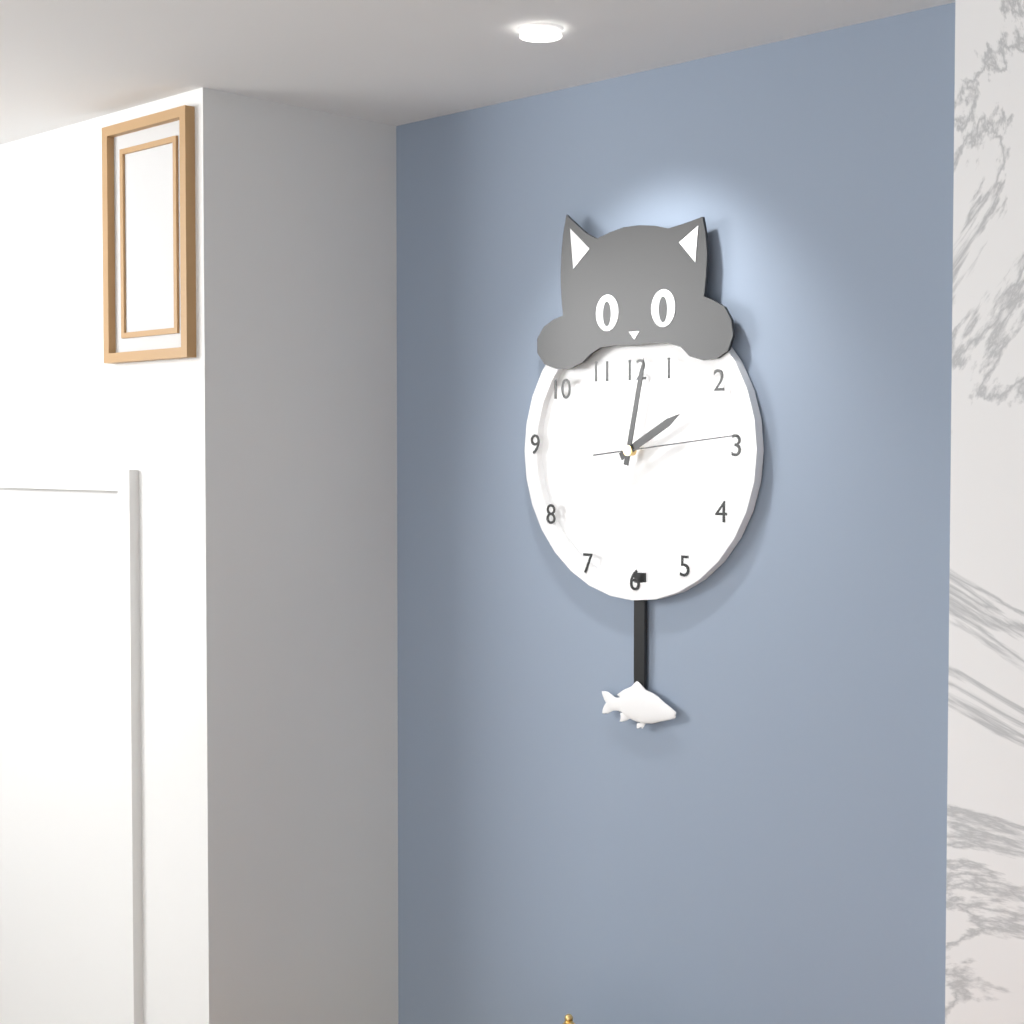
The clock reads 2,02,14
